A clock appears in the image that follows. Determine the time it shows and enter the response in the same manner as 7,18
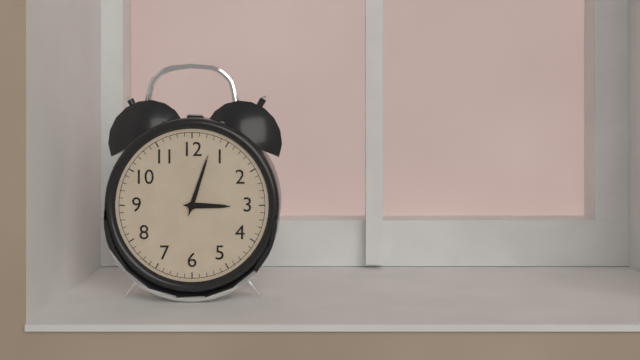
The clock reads 3,03
